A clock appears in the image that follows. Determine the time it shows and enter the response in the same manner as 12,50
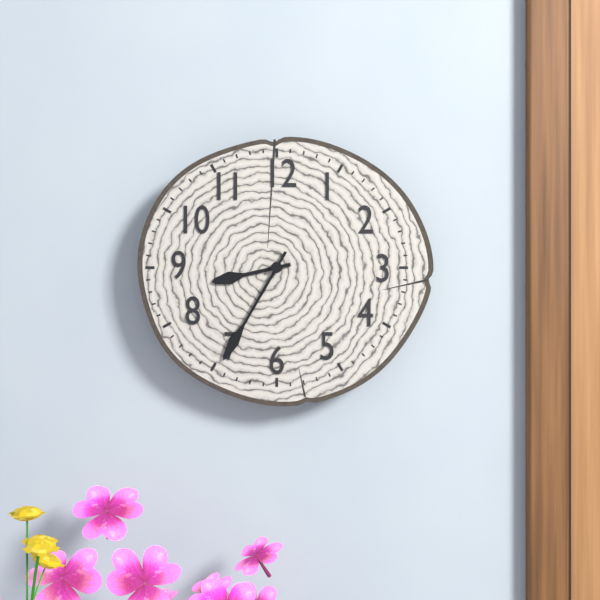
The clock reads 8,35
